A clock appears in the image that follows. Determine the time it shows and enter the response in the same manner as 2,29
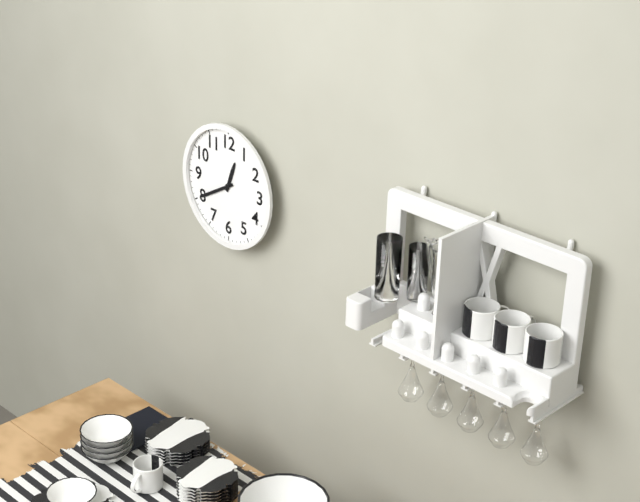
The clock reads 12,40
